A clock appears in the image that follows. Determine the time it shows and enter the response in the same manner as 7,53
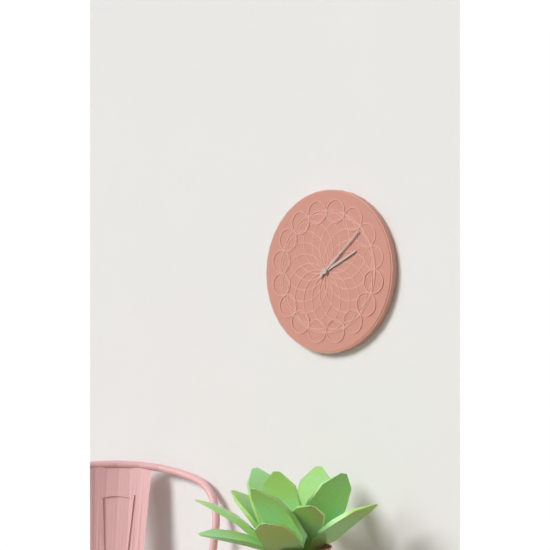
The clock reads 2,08
